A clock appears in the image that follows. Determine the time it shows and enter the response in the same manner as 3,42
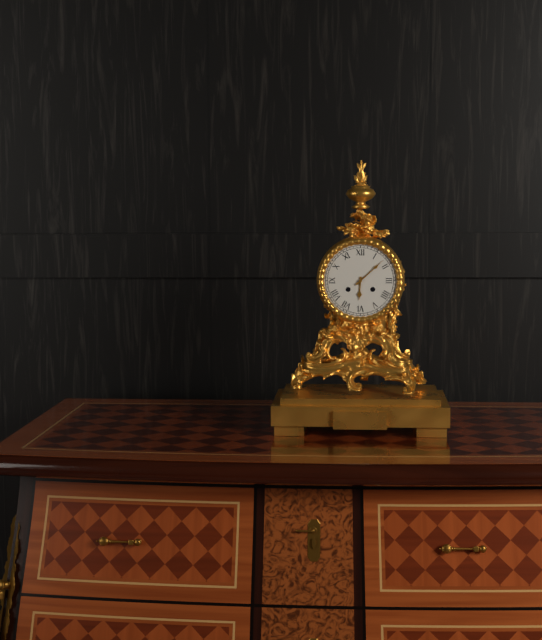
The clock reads 6,08
